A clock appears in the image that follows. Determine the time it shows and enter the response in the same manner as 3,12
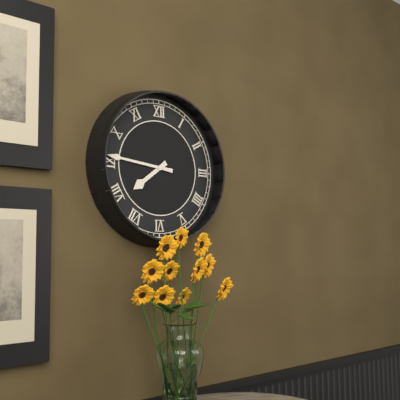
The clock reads 7,46
